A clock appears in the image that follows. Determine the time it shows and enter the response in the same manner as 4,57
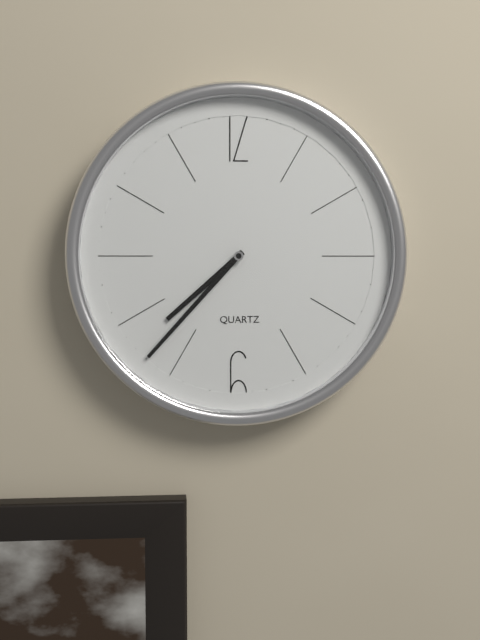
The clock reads 7,37
